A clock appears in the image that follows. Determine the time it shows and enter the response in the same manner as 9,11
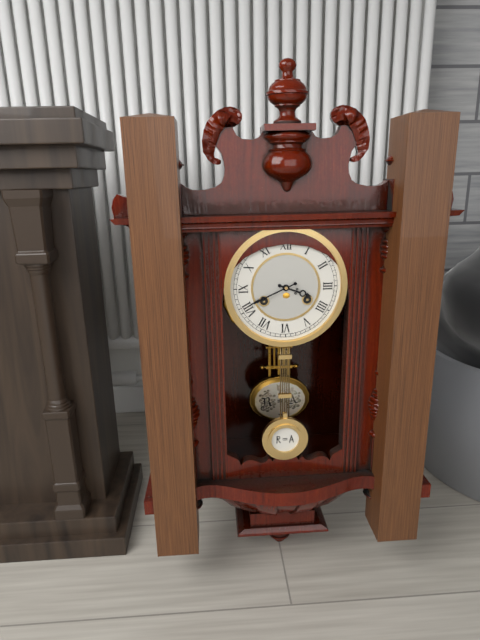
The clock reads 3,41
